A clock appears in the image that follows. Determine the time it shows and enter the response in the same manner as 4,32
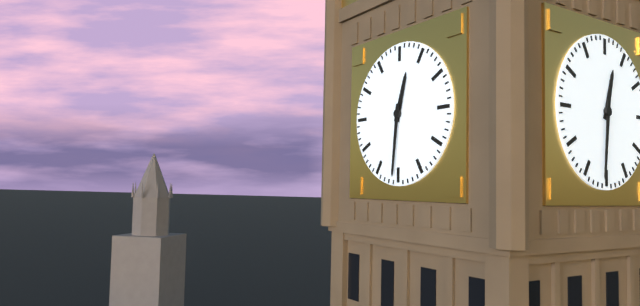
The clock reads 12,31
